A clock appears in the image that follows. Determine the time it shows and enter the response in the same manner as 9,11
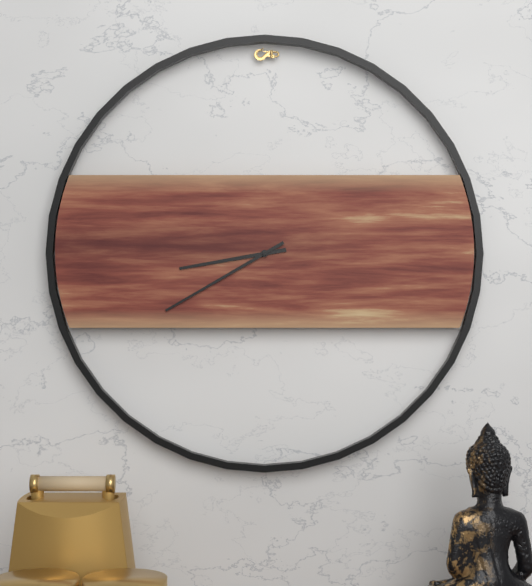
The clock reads 8,40
